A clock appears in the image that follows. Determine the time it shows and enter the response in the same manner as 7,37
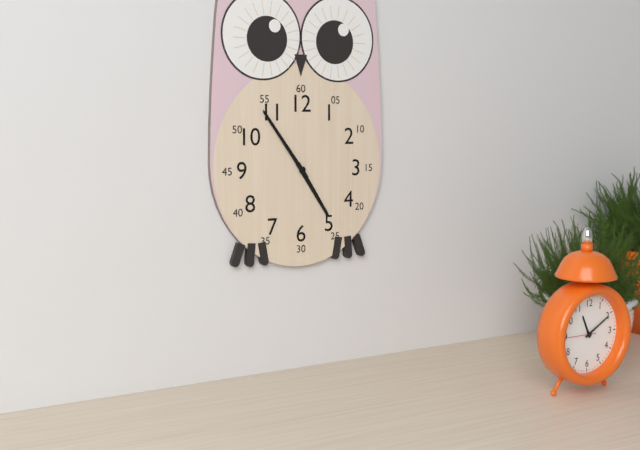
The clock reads 4,54
